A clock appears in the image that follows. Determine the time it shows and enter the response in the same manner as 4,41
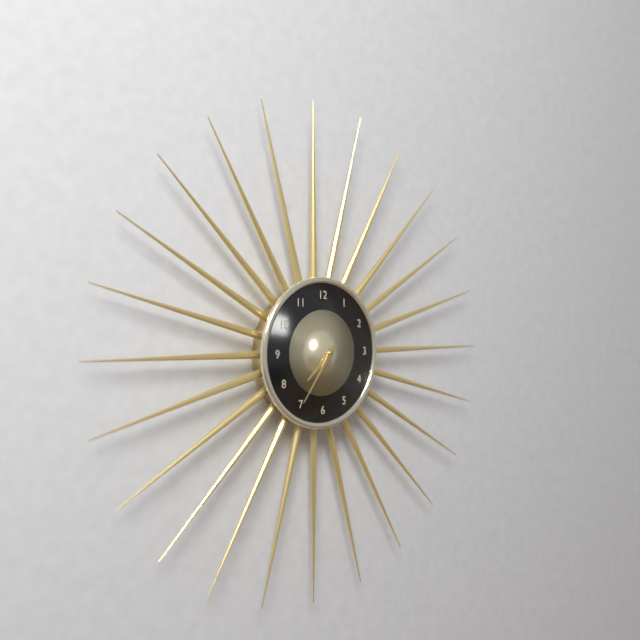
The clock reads 7,36
